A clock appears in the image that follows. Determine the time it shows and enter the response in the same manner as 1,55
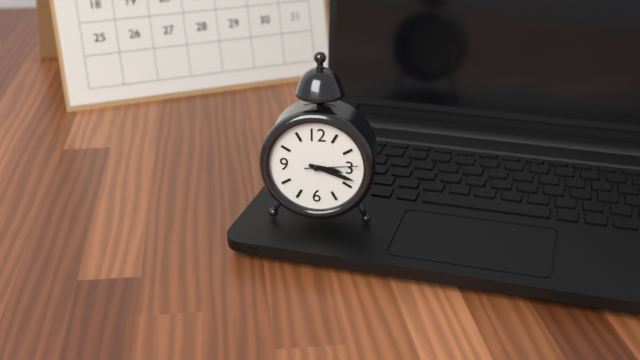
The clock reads 3,18
